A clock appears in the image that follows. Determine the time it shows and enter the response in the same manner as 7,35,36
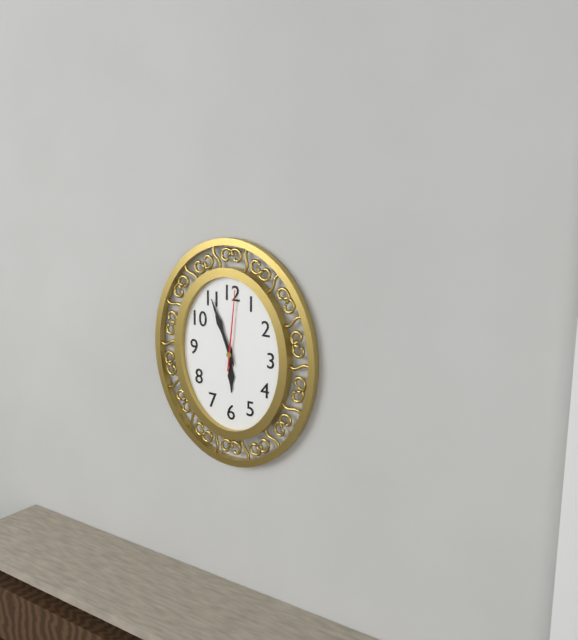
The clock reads 5,56,01
